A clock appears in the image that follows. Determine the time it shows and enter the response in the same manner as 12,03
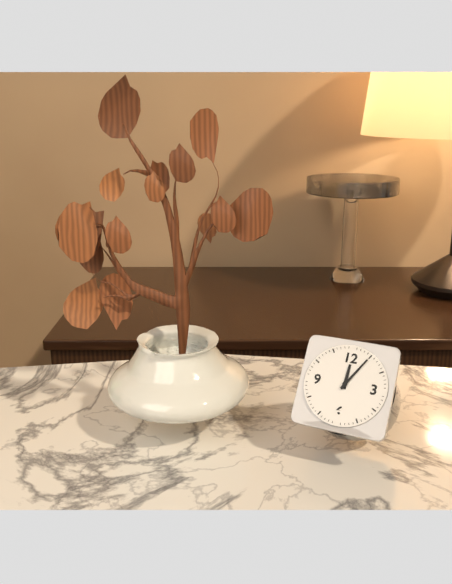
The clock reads 12,05
